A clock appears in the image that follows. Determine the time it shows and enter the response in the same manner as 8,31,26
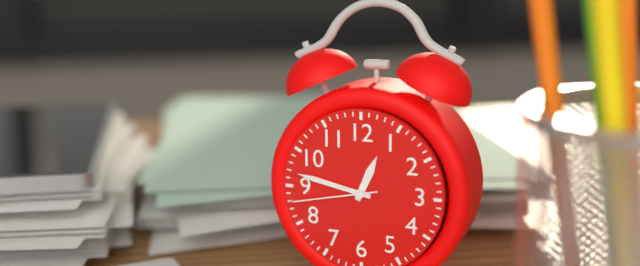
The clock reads 12,47,43
